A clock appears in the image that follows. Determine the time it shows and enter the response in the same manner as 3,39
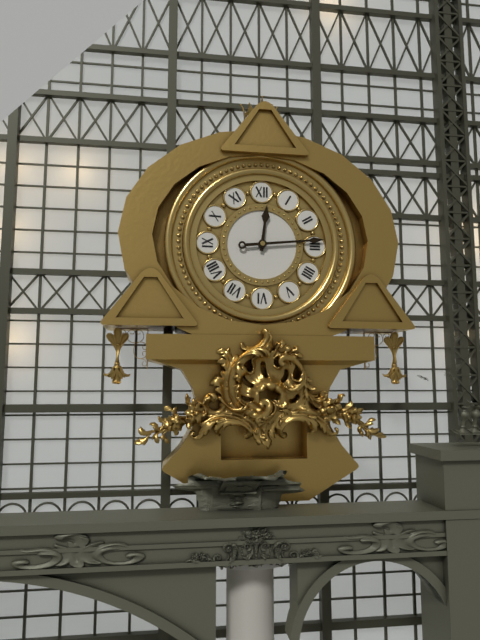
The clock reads 12,14
